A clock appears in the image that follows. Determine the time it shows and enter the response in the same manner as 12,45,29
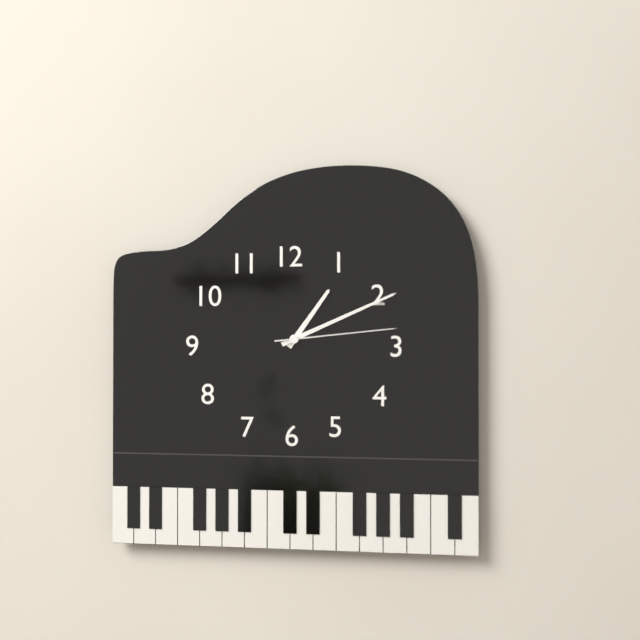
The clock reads 1,11,14
